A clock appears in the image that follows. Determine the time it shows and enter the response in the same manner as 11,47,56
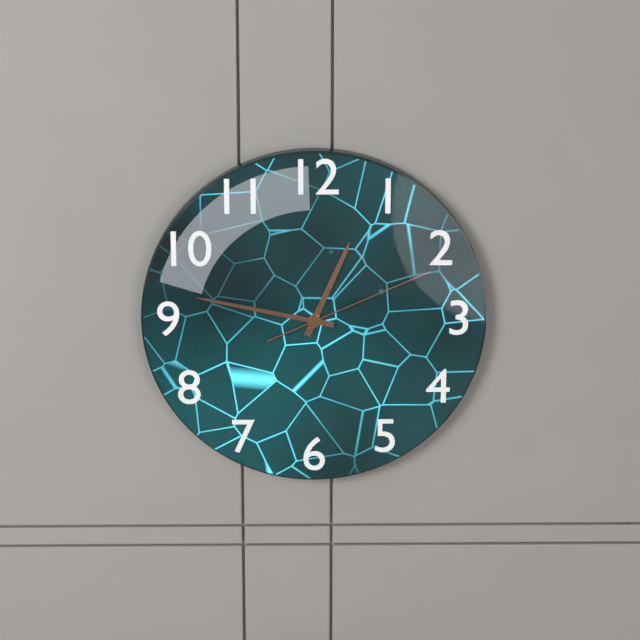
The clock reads 12,47,11
